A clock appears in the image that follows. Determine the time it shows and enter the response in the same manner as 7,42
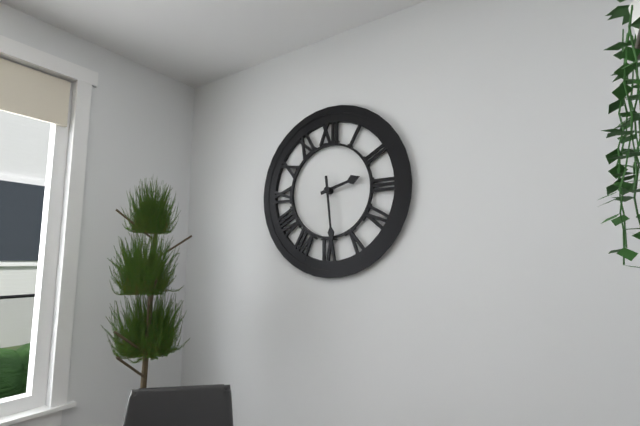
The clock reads 2,29
